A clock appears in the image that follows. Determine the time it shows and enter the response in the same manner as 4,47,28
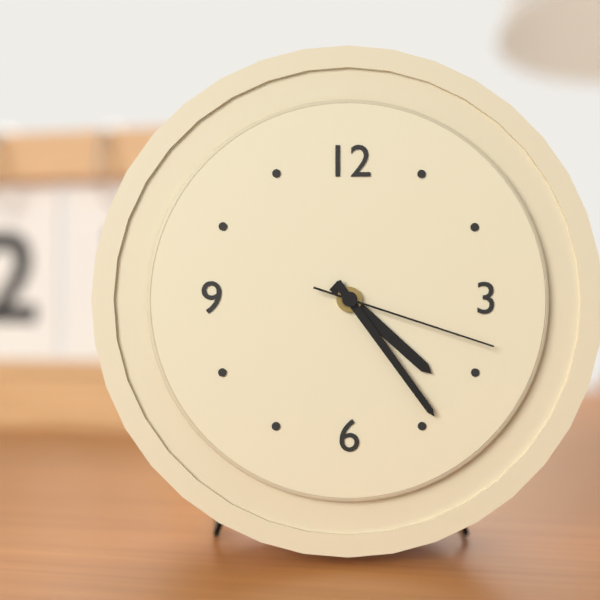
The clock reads 4,24,18
